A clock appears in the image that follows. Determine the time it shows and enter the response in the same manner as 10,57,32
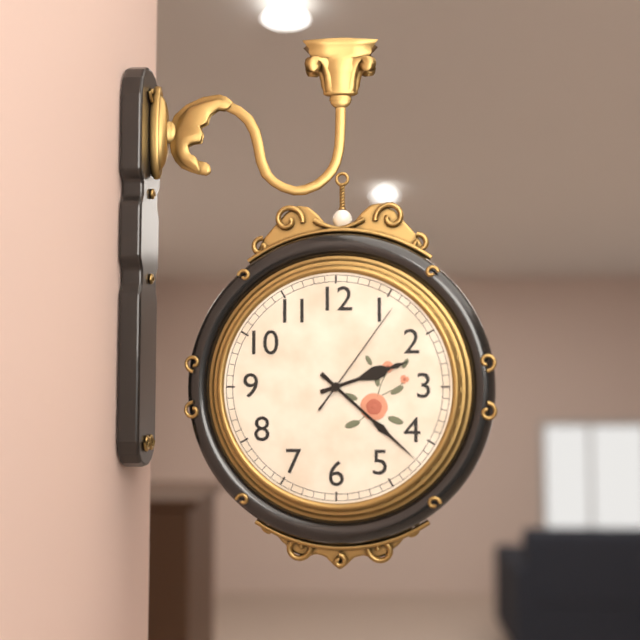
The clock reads 2,22,06
